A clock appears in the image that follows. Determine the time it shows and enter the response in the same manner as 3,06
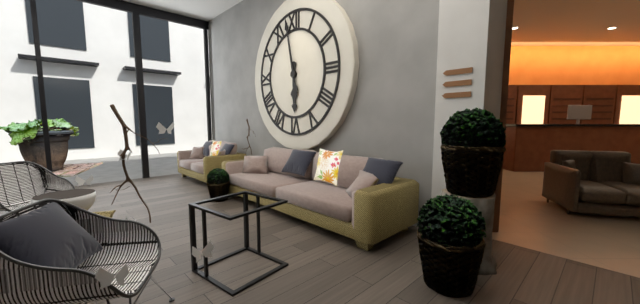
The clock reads 5,58
